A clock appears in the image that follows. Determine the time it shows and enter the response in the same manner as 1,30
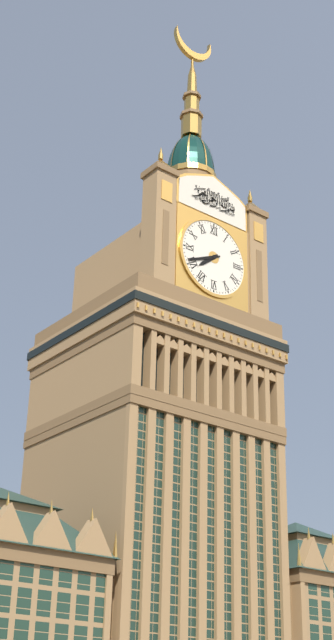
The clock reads 7,41
